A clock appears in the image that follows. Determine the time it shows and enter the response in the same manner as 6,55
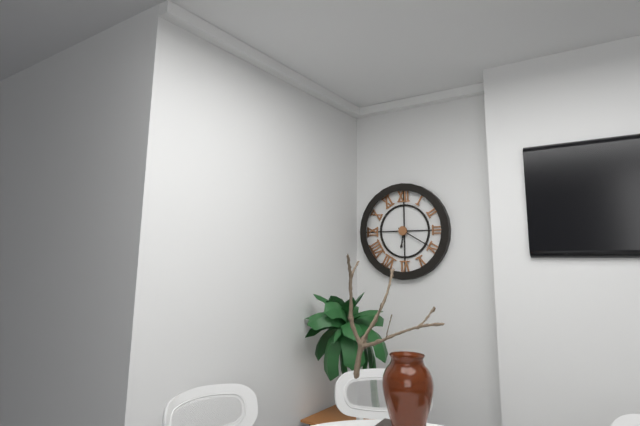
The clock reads 6,20
